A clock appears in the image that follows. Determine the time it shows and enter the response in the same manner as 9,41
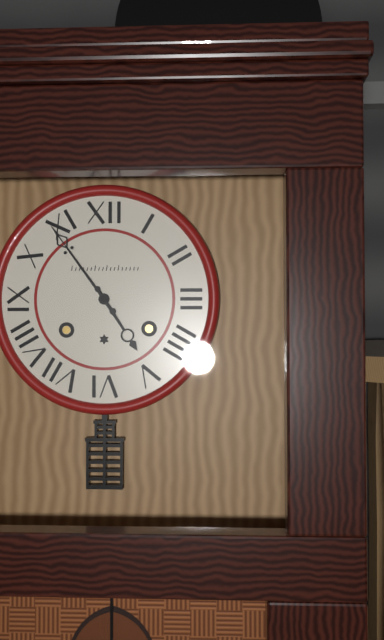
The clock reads 4,54
